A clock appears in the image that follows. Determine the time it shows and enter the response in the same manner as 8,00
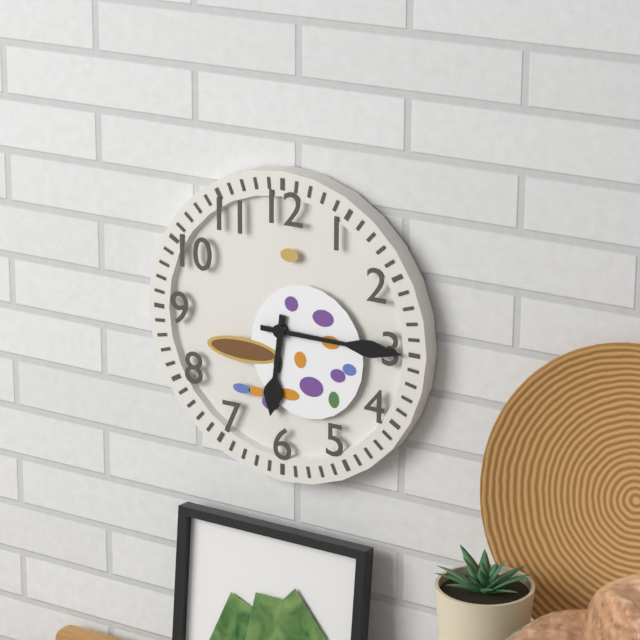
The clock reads 6,15
